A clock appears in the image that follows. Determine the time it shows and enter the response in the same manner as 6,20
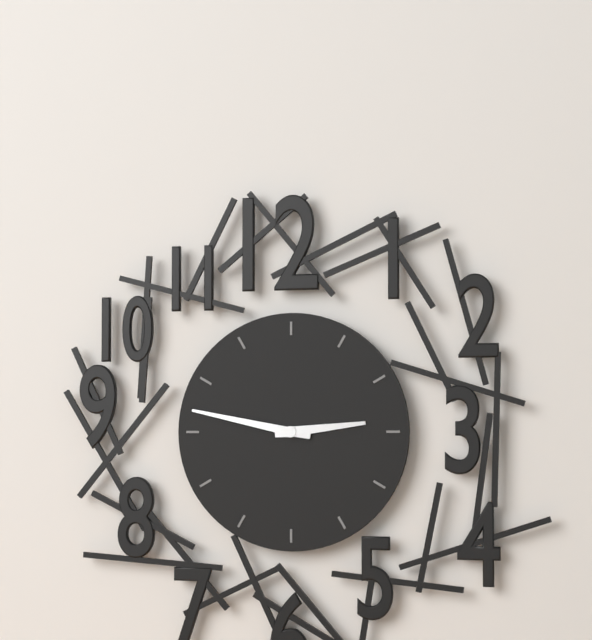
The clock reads 2,47
